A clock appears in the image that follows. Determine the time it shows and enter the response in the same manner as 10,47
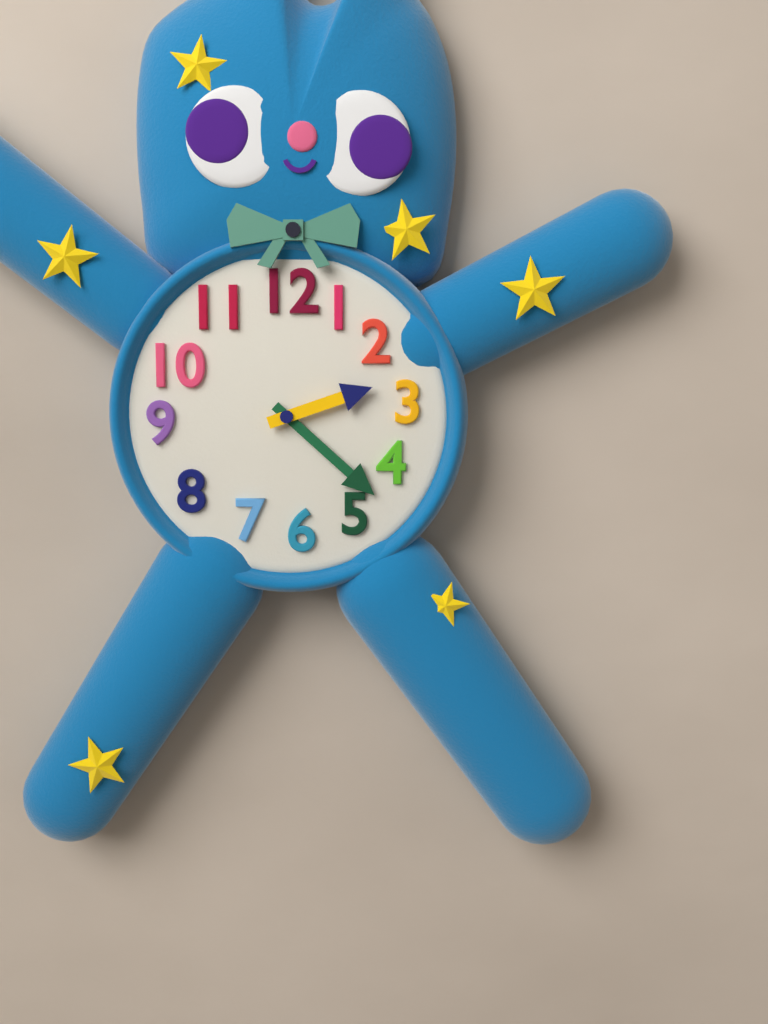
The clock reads 2,22
